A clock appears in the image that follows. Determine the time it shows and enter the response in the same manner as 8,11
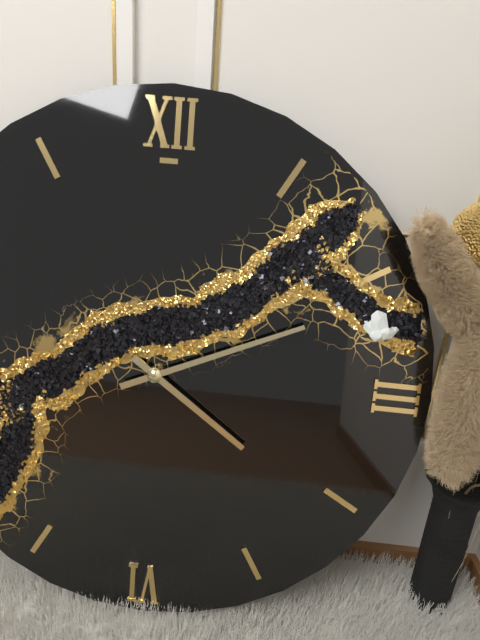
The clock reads 4,11
